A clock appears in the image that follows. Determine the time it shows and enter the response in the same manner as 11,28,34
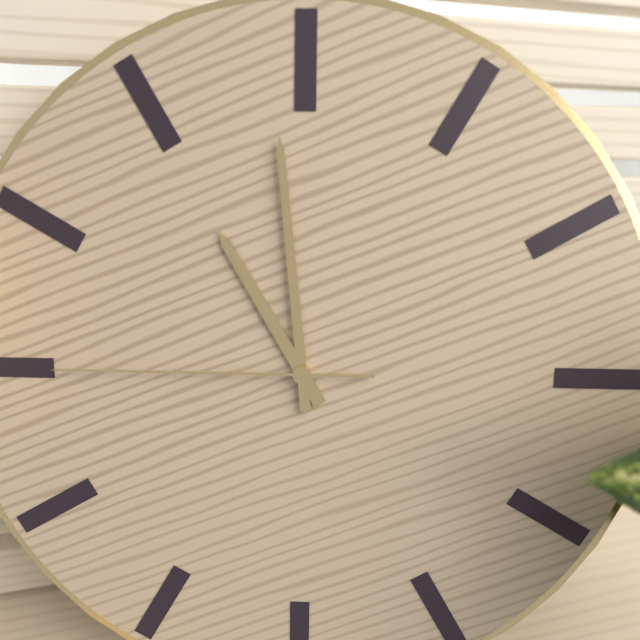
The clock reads 10,59,45
